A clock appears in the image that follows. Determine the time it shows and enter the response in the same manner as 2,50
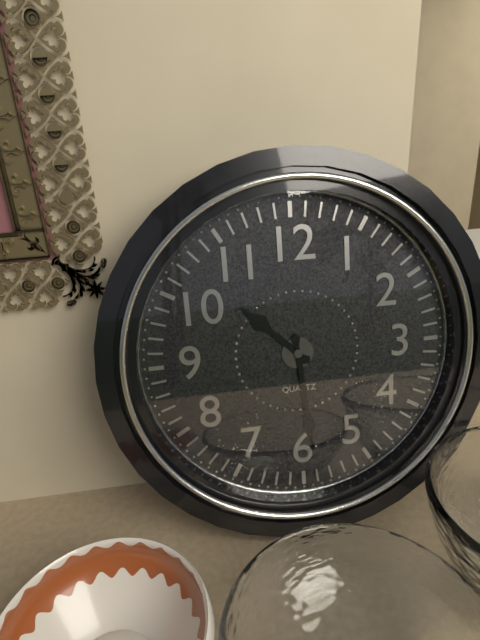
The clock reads 10,29
